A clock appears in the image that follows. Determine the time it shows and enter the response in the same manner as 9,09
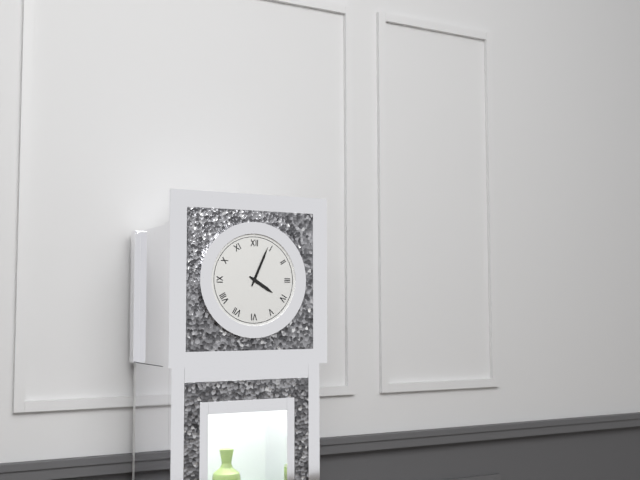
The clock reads 4,04
